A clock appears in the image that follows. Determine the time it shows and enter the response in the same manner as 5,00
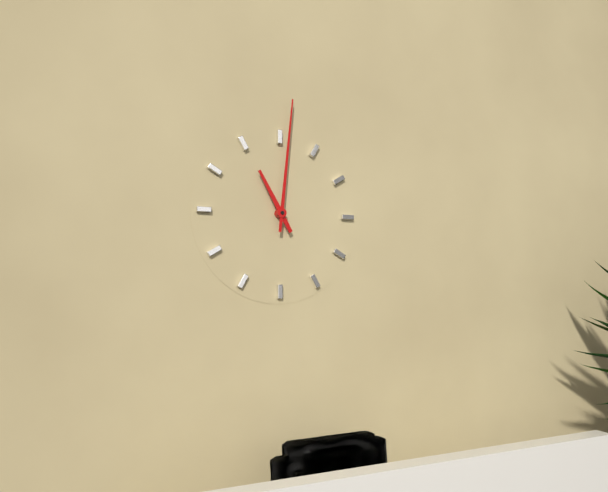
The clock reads 11,01
